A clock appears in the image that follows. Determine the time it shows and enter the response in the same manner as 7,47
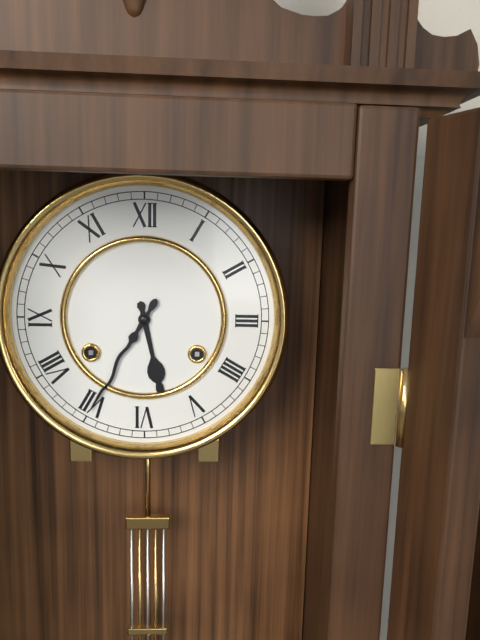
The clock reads 5,35
